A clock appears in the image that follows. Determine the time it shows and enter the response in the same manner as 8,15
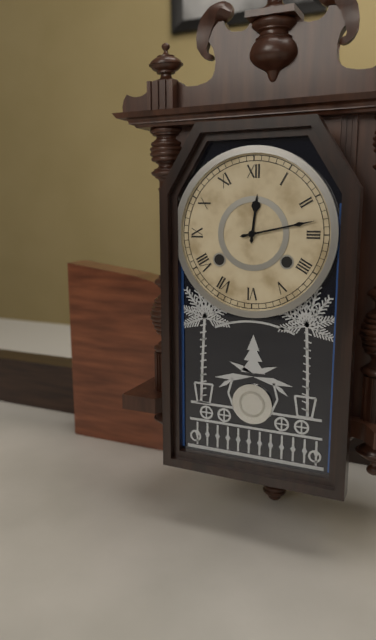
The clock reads 12,13
